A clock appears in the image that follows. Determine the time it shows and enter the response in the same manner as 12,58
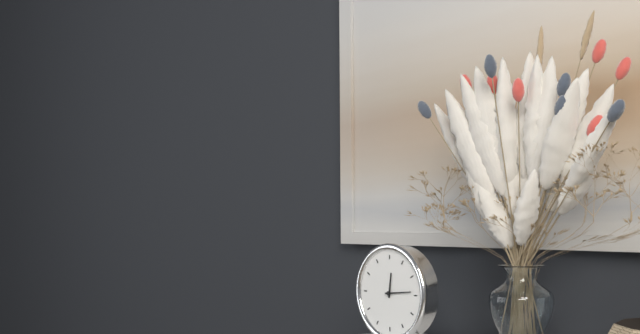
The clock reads 12,14
